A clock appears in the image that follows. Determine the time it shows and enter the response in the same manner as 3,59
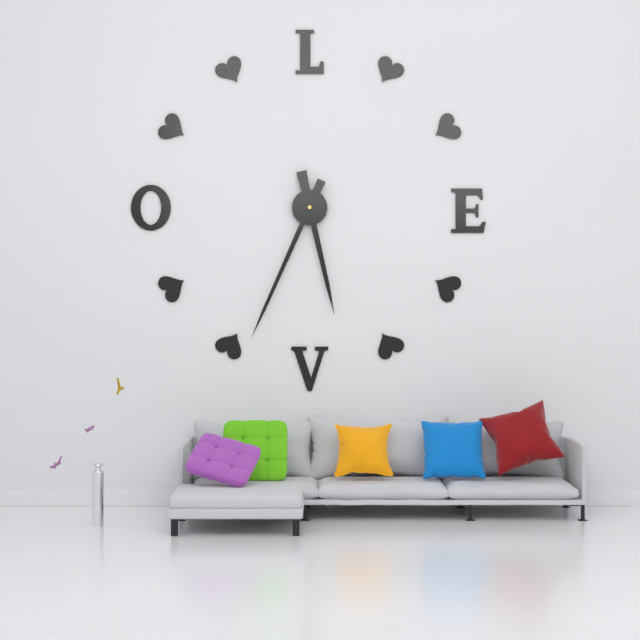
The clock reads 5,34
